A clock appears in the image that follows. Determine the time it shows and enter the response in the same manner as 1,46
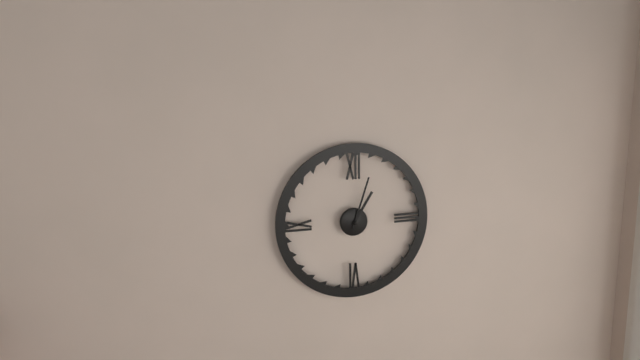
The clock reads 1,03
